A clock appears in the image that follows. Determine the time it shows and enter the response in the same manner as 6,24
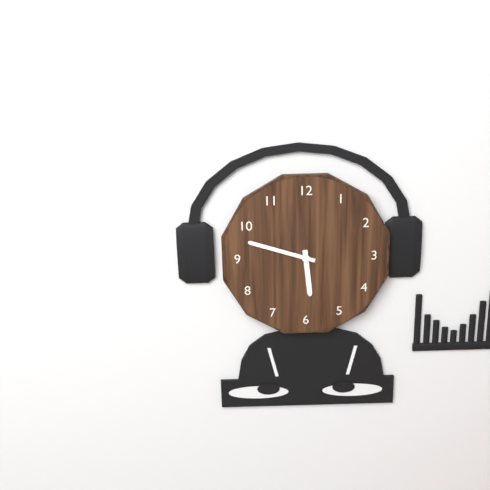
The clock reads 5,48
